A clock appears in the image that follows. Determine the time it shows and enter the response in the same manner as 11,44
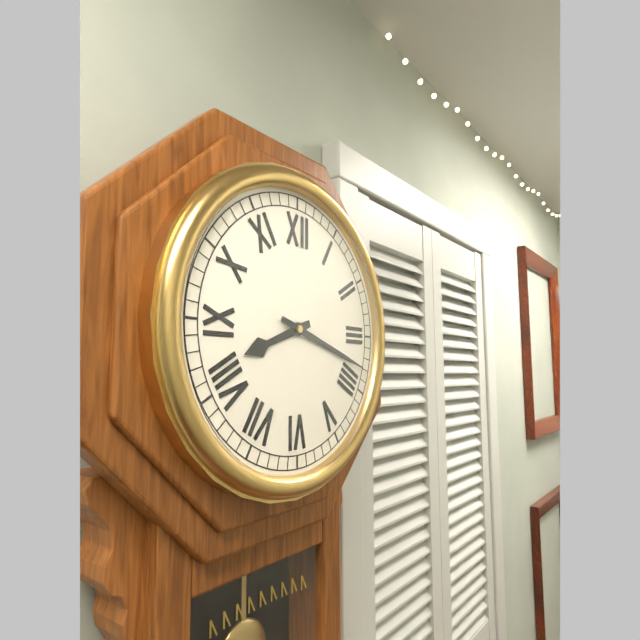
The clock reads 8,18
